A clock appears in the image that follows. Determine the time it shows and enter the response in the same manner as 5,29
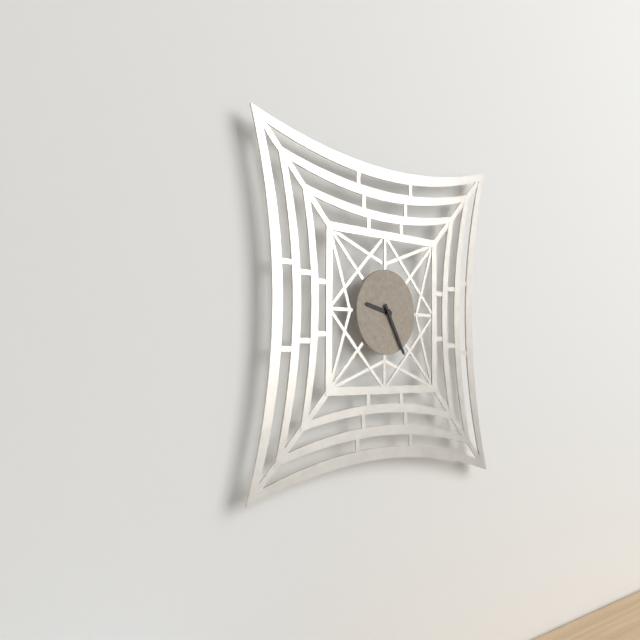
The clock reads 9,25
